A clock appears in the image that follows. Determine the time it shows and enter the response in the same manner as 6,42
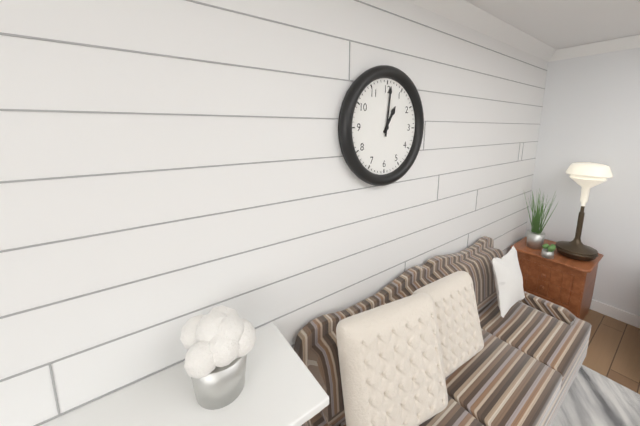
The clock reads 1,01
